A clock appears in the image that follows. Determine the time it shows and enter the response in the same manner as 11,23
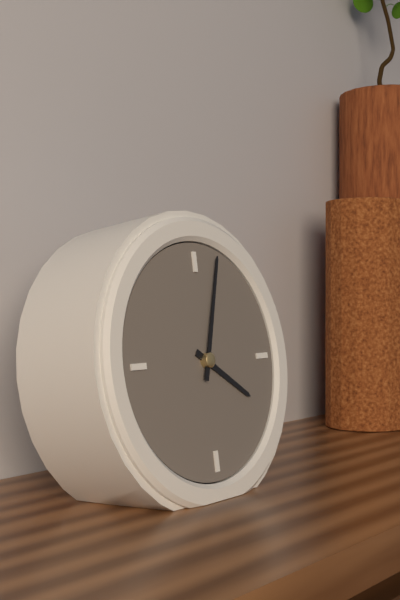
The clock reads 4,03
